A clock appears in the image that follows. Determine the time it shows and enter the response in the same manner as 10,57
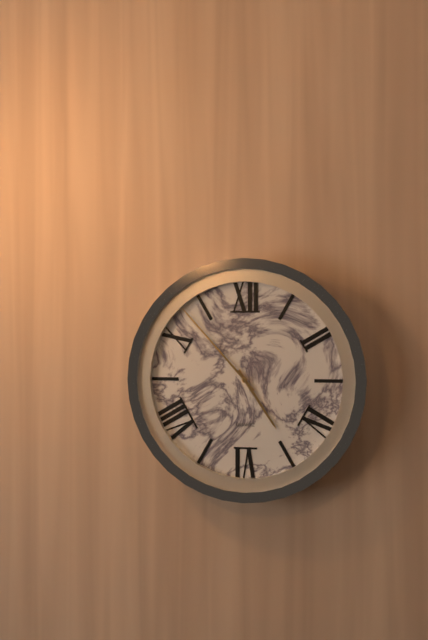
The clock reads 4,53
